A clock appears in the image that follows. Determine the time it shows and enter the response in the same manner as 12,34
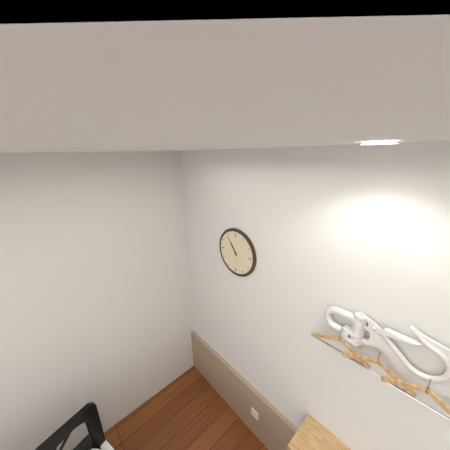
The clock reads 10,54
